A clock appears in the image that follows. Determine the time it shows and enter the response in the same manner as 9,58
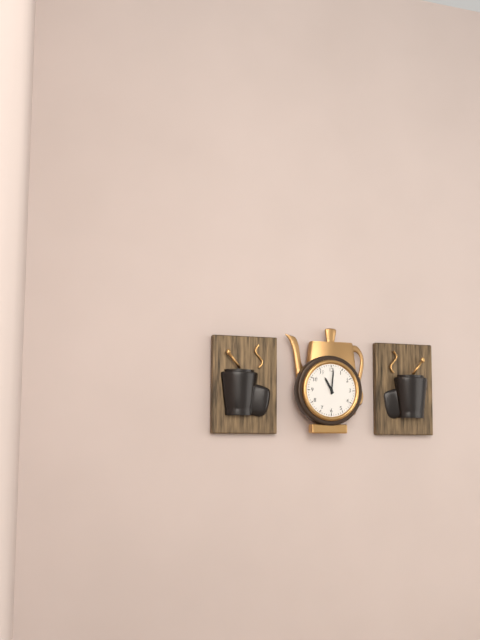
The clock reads 11,01
